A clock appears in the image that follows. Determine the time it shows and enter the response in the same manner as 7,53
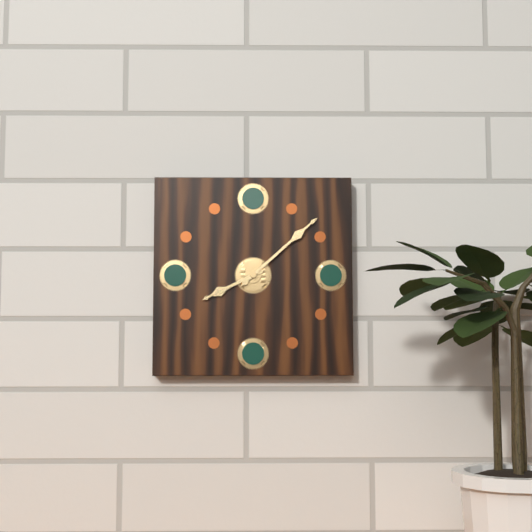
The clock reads 8,08
